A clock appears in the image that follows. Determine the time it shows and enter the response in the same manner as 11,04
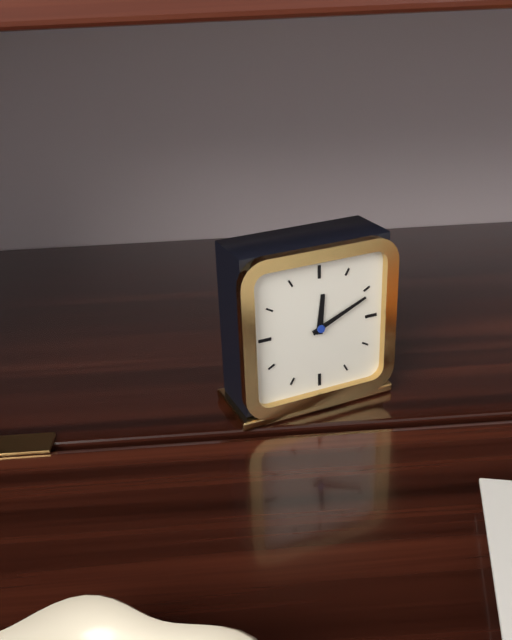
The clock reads 12,11
